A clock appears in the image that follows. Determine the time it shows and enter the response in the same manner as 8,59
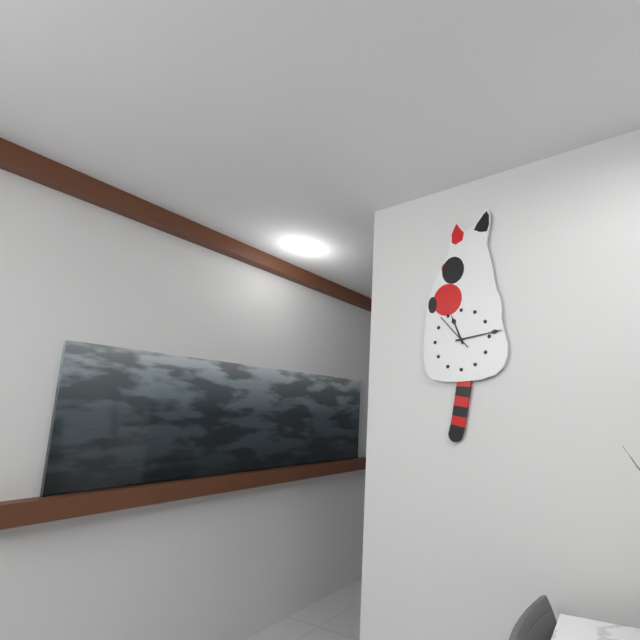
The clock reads 11,14
